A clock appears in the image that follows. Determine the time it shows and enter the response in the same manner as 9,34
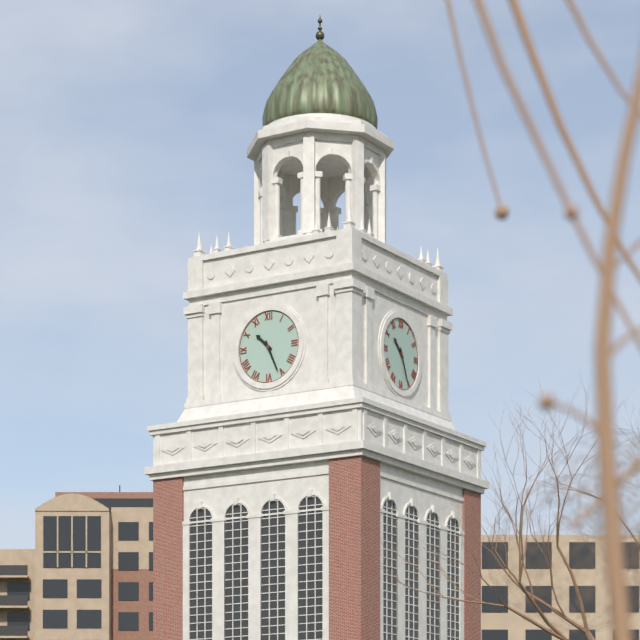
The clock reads 10,26
